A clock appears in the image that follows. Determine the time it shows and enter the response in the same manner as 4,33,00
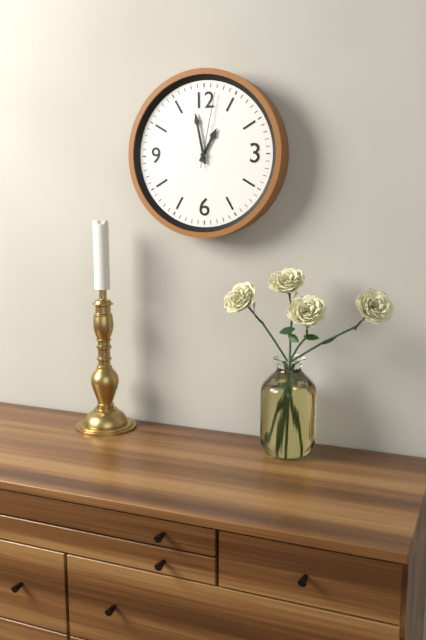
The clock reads 12,58,02
